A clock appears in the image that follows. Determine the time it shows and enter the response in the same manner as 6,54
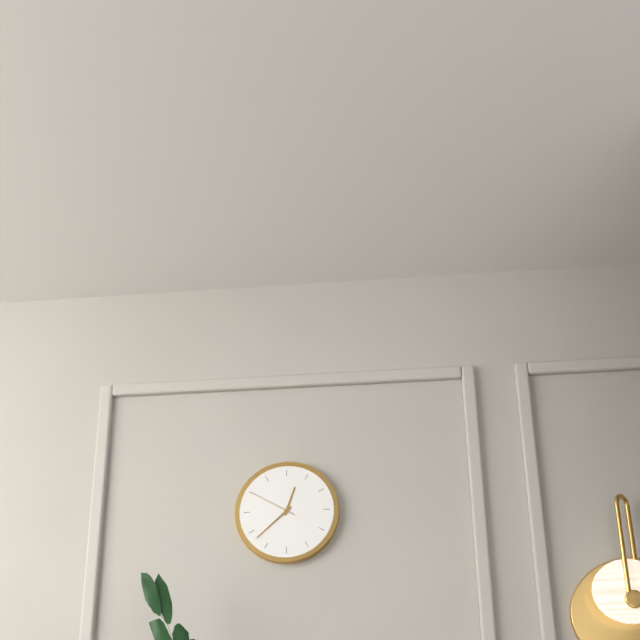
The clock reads 12,38
